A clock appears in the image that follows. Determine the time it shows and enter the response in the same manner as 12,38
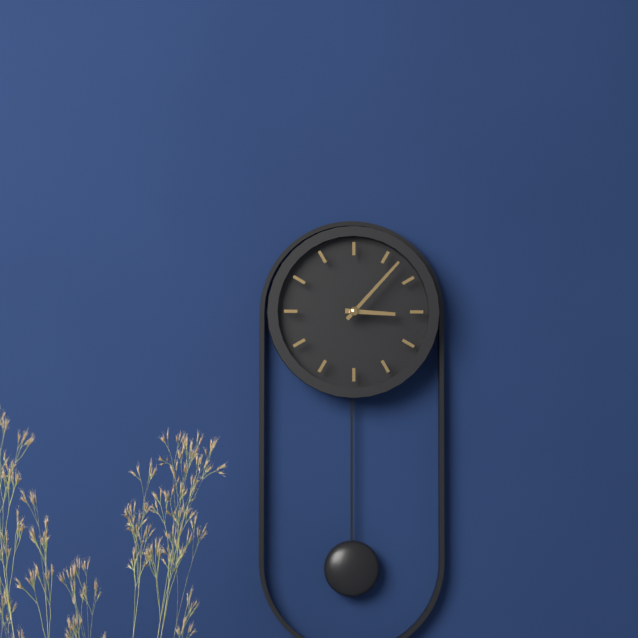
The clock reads 3,07
